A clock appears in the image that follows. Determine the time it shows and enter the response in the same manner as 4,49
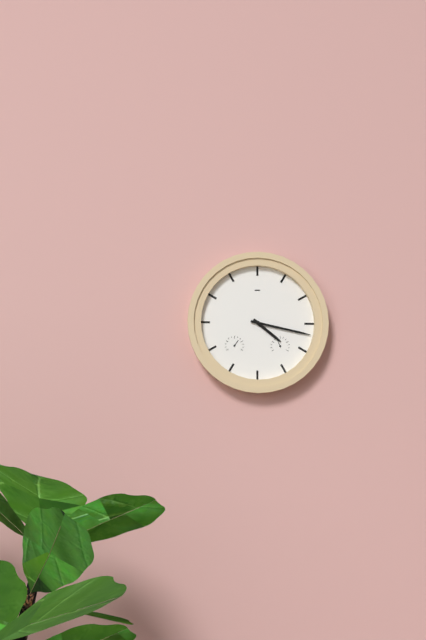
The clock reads 4,17
